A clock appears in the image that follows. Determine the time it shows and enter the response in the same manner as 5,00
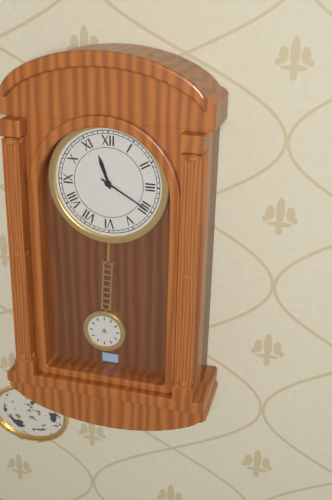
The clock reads 11,20
